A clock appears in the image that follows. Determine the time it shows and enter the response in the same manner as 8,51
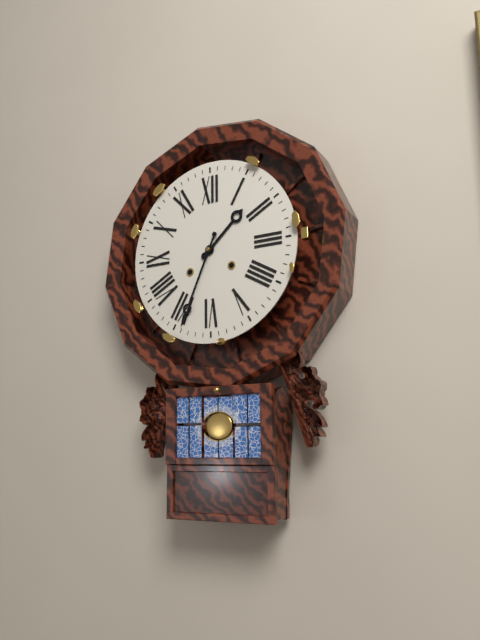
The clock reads 1,34
